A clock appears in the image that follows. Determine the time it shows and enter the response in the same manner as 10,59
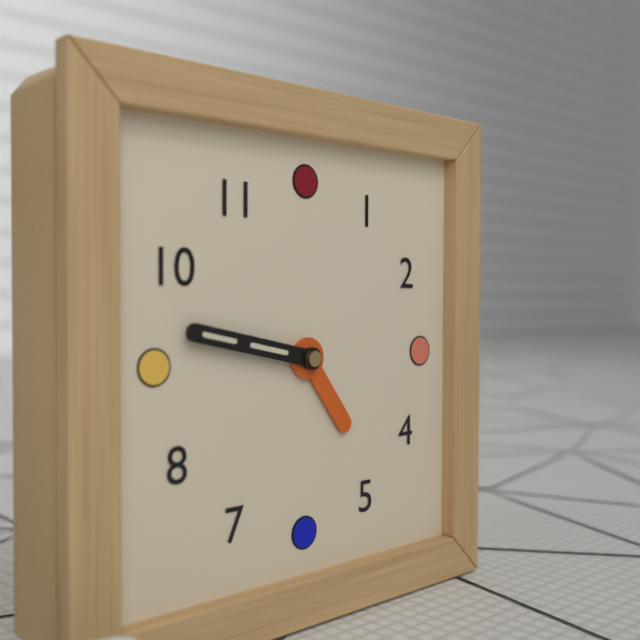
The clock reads 4,47
